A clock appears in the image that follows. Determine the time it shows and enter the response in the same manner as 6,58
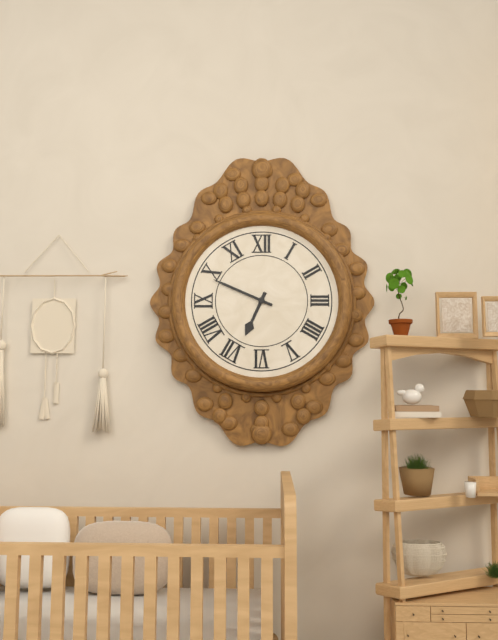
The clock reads 6,49
